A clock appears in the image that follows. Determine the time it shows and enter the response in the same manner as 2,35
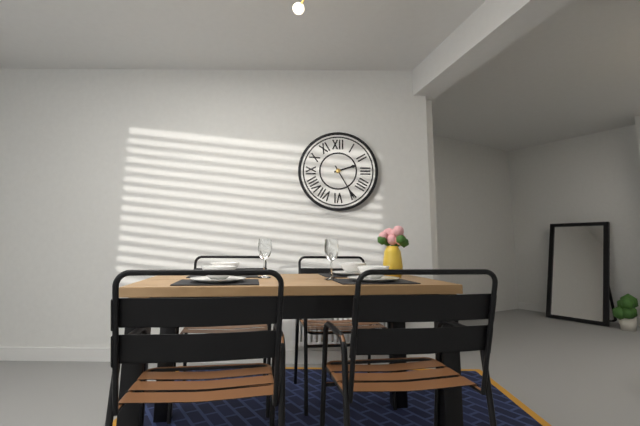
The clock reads 2,25
